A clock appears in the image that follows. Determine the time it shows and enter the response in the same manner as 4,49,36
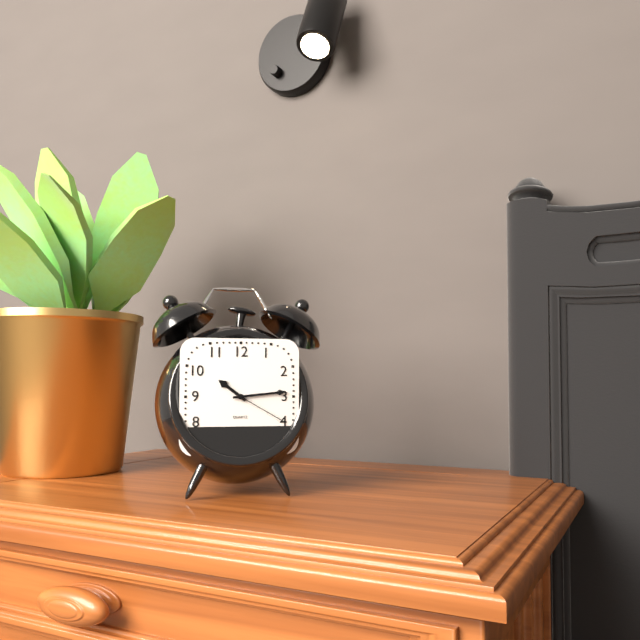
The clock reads 10,14,20
